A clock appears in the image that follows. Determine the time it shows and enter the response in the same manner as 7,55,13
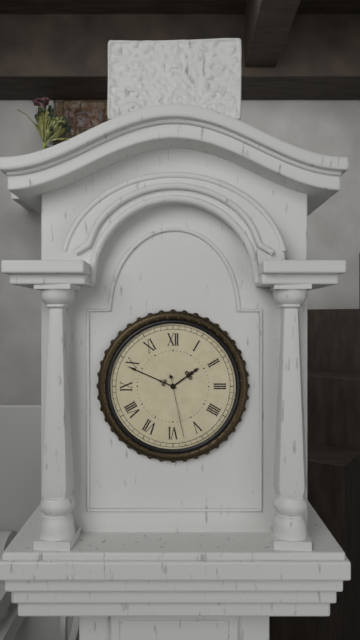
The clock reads 1,49,28
